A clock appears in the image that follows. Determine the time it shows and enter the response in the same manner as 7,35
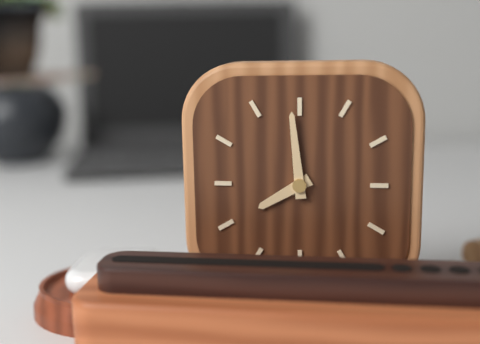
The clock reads 7,59
